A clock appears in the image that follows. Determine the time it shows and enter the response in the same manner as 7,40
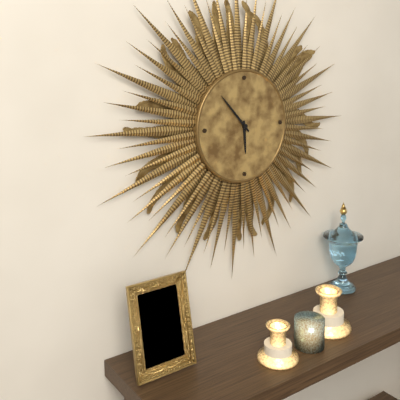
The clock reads 5,53
